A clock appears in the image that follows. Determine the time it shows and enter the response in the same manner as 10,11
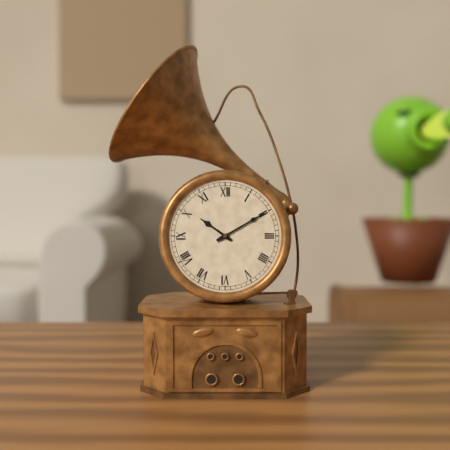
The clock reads 10,10
